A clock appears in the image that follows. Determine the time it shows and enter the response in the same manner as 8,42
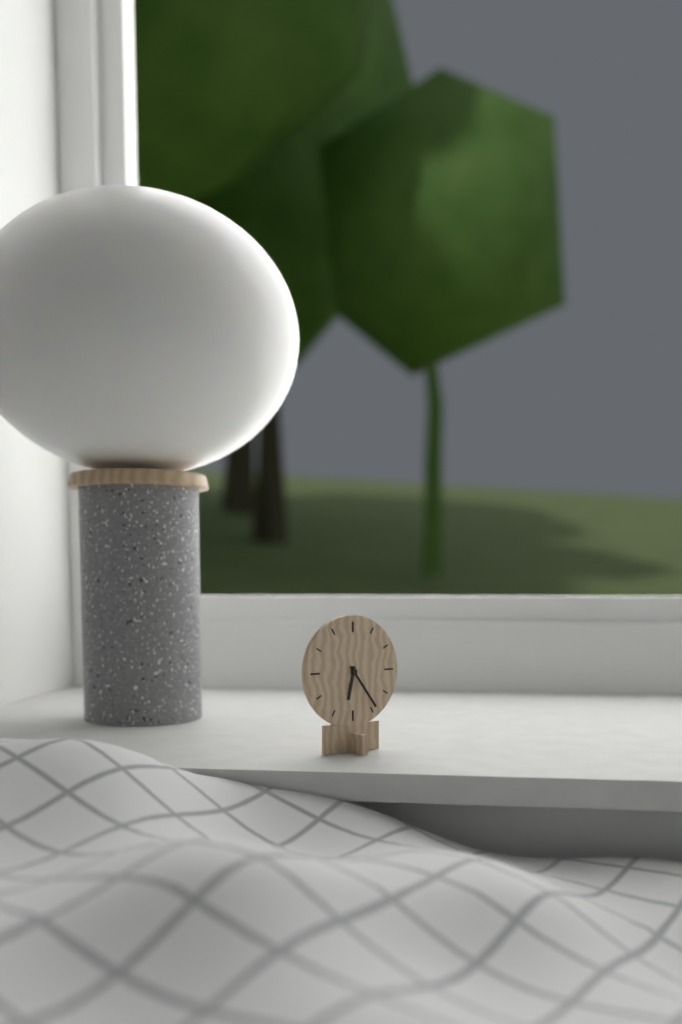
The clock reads 6,24
